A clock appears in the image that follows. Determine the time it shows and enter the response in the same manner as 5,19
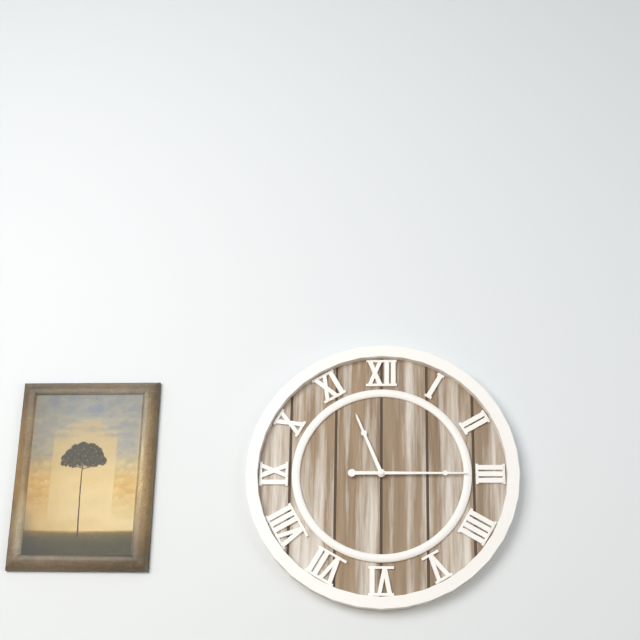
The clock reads 11,15
